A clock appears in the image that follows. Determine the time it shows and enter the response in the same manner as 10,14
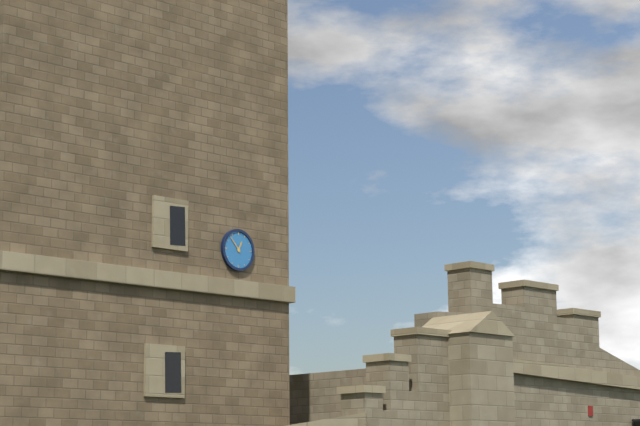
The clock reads 12,53
